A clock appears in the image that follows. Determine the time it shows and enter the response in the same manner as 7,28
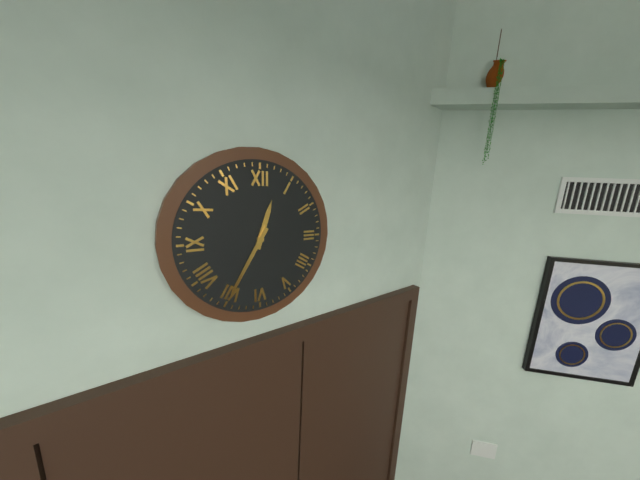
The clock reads 12,35
